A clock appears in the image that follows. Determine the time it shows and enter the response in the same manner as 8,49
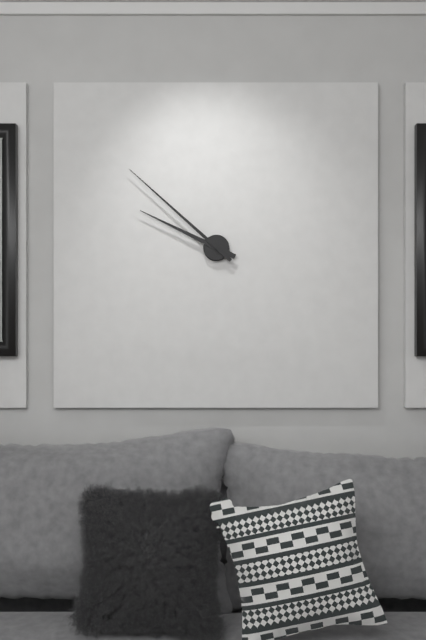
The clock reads 9,52
